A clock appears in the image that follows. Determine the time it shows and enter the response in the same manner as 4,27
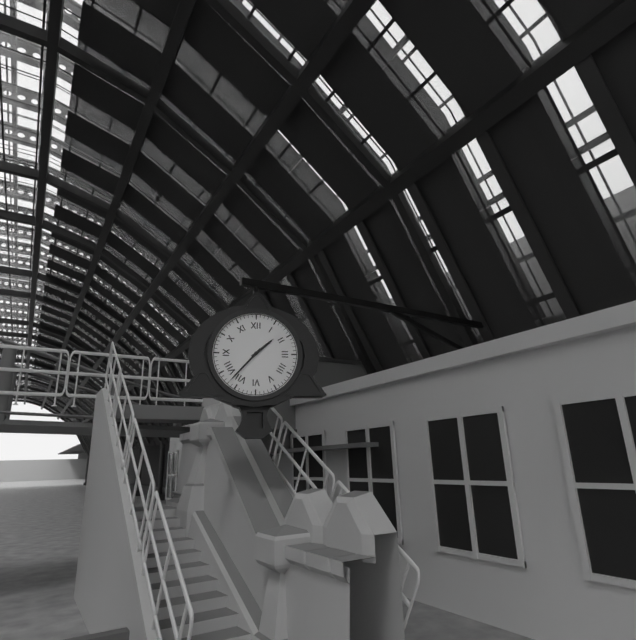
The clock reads 1,37
